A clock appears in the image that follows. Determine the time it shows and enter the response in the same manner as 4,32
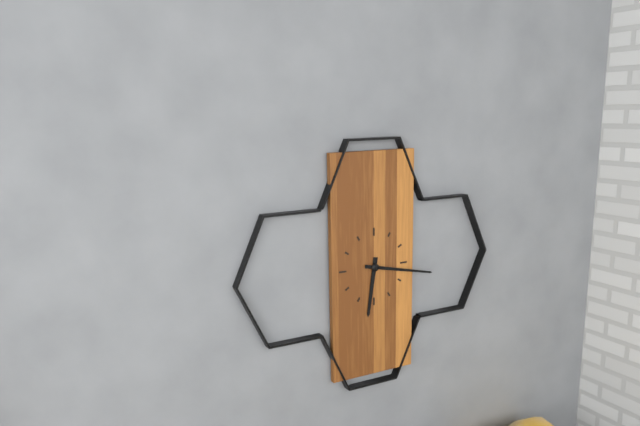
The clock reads 6,17
